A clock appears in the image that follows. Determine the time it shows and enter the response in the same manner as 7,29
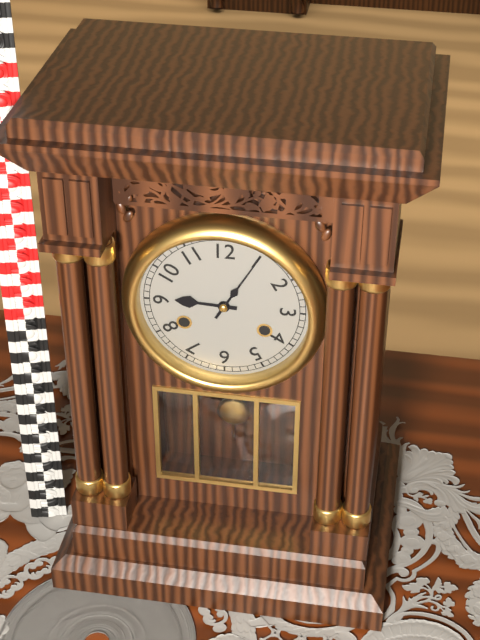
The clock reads 9,05
